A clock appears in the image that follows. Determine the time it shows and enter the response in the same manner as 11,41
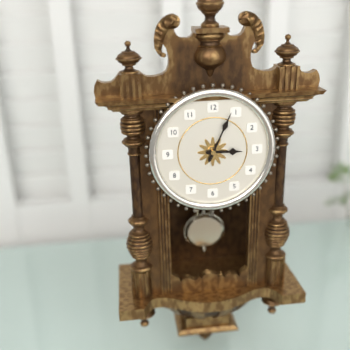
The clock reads 3,04
